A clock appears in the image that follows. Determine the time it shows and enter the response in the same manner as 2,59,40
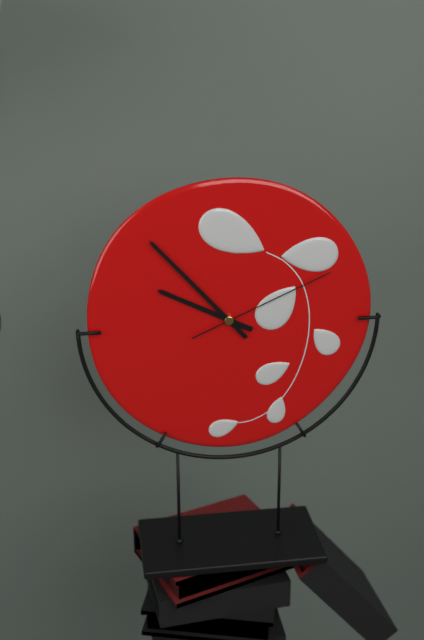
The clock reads 9,53,11
